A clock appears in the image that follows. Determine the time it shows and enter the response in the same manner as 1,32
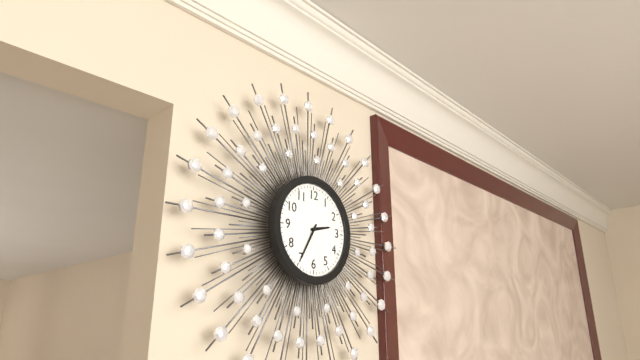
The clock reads 2,35
